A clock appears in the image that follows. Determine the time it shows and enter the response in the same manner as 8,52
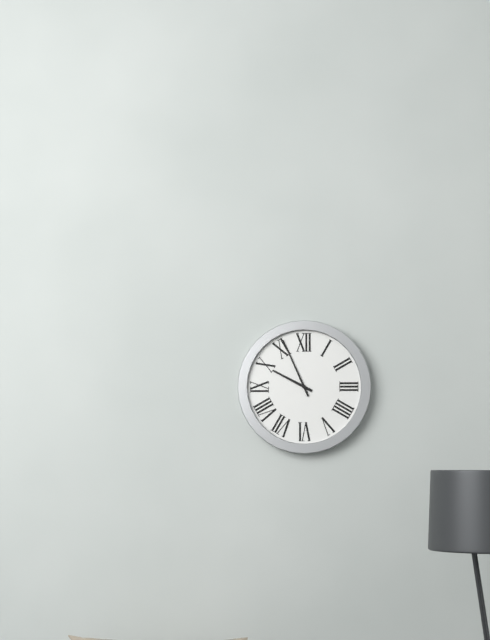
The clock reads 9,56
